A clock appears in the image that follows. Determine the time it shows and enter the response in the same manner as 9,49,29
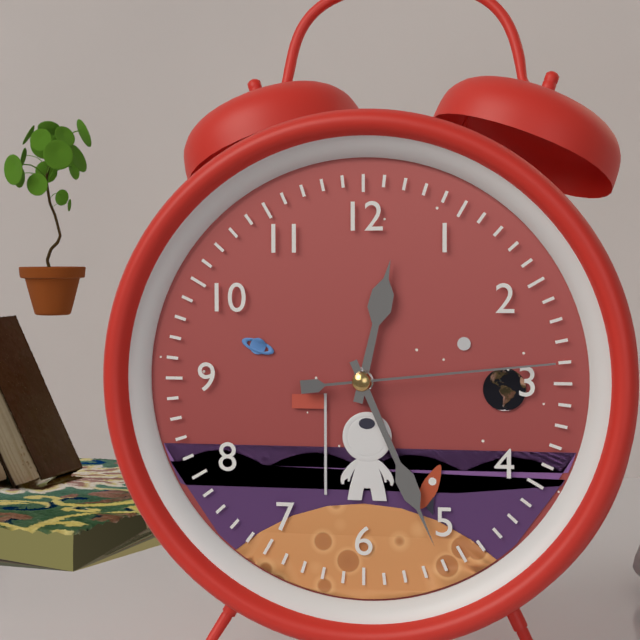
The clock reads 12,26,14
